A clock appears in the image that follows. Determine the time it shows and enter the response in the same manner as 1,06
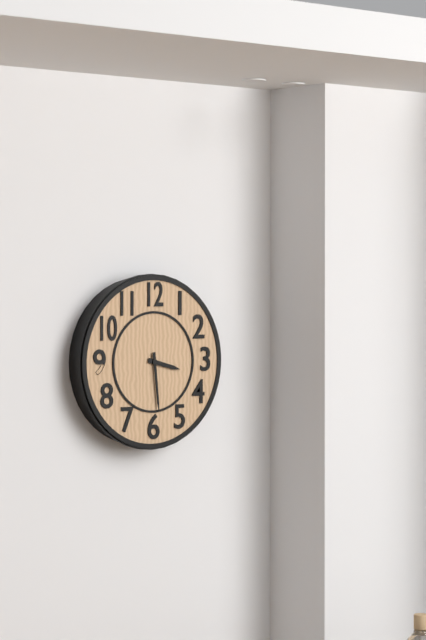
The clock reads 3,29
